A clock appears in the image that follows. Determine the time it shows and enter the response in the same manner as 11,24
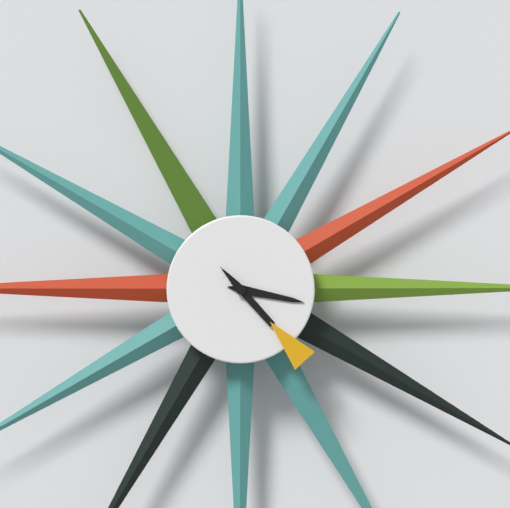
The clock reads 3,23
